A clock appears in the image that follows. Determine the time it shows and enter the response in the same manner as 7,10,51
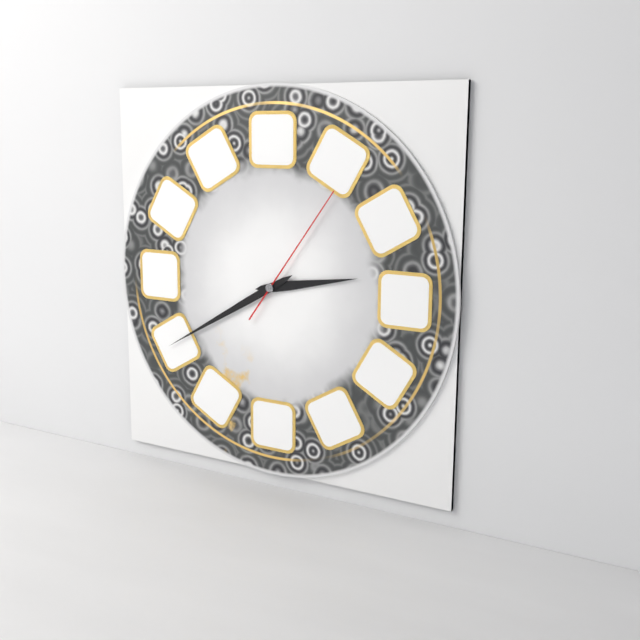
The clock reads 2,40,06
